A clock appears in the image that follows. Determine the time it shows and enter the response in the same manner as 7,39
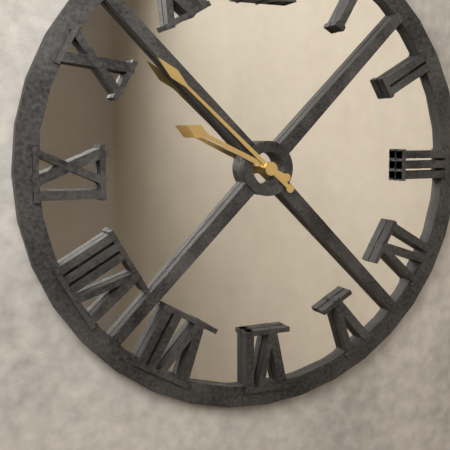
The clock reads 9,52
